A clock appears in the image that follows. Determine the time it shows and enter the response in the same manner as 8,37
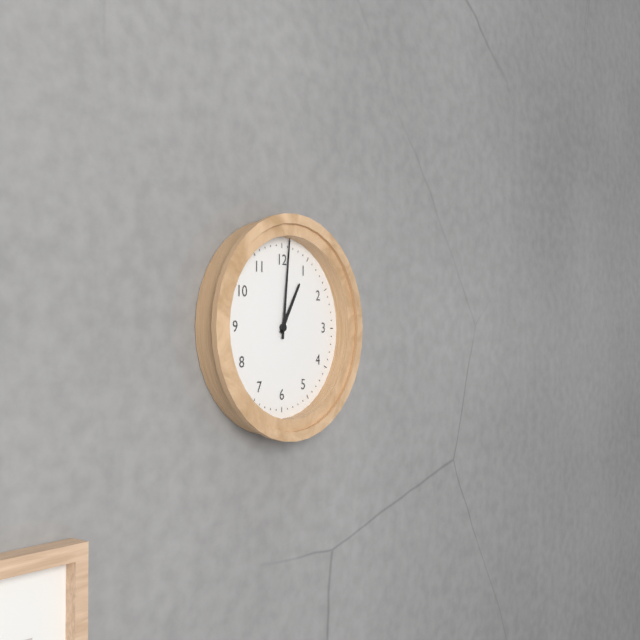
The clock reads 1,01
